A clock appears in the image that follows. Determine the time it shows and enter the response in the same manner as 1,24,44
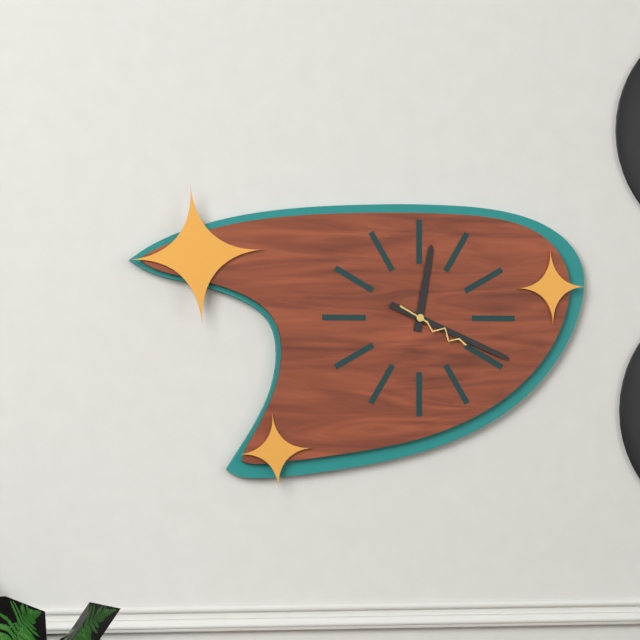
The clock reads 12,19,20
